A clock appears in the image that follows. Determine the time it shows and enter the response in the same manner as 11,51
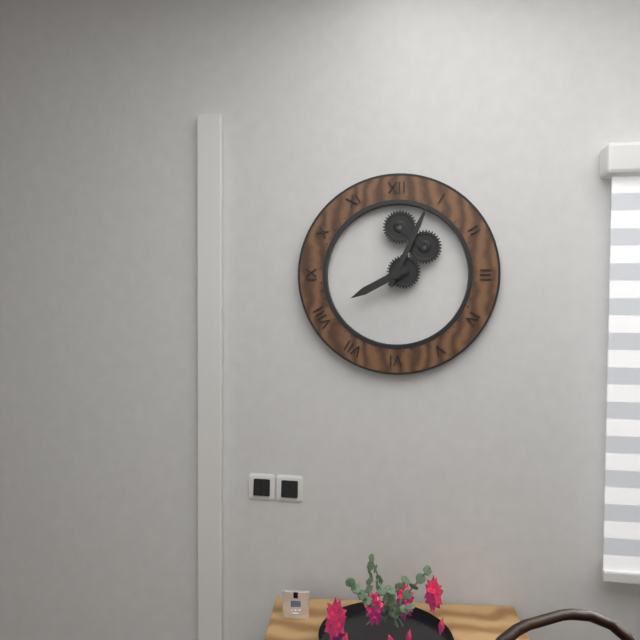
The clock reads 8,04
